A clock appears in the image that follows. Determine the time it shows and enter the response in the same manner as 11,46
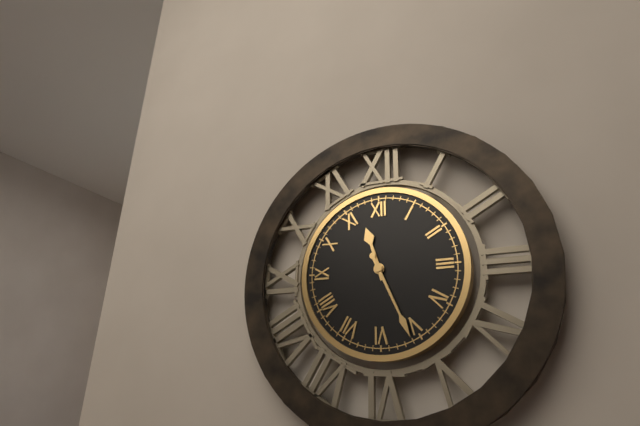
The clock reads 11,26
